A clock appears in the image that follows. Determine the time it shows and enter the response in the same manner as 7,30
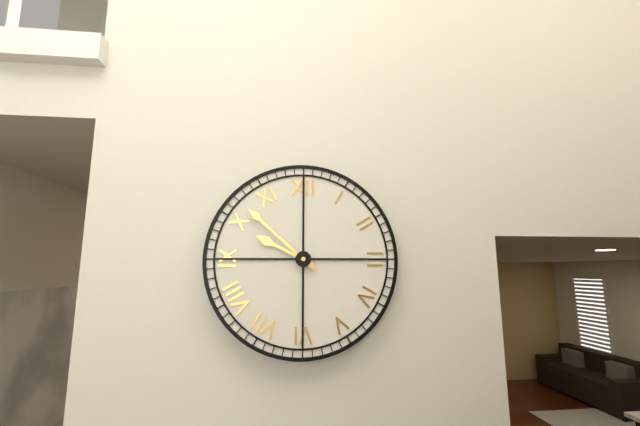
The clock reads 9,52
